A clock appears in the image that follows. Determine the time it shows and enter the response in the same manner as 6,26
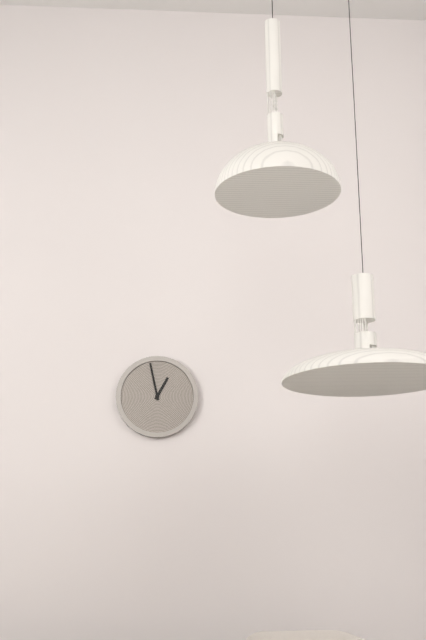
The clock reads 12,58
